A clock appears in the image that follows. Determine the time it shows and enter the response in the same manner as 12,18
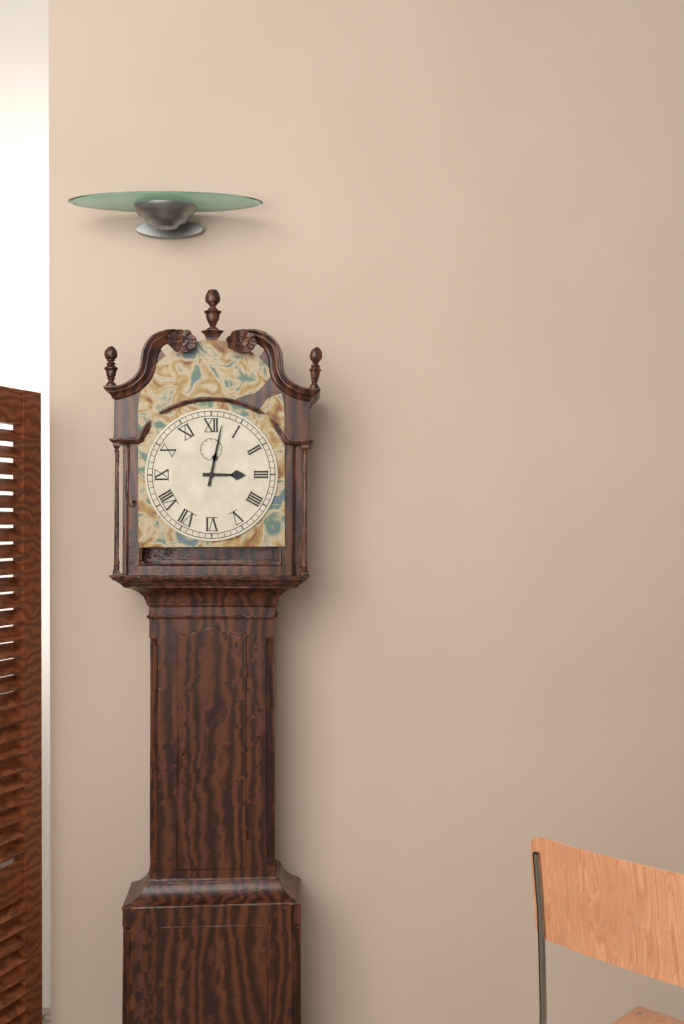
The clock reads 3,02
